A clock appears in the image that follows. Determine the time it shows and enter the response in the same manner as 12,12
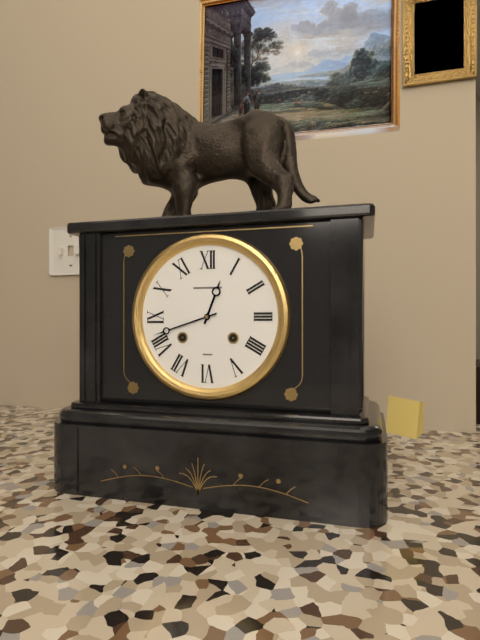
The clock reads 12,42
